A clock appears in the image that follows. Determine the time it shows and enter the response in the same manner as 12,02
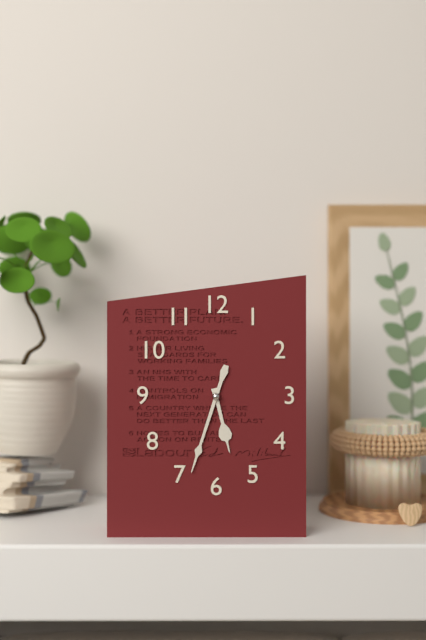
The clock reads 5,33
